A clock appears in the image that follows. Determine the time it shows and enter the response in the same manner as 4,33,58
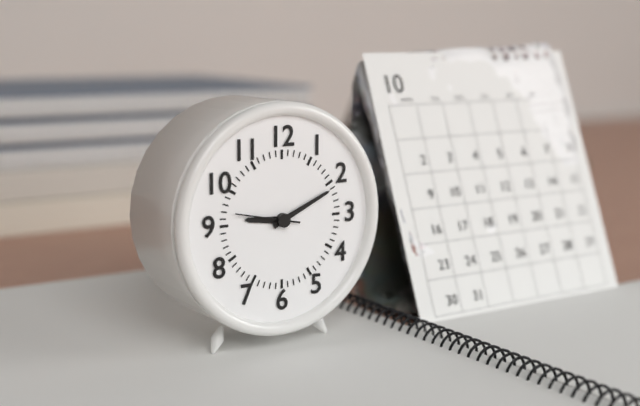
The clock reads 9,11,47
